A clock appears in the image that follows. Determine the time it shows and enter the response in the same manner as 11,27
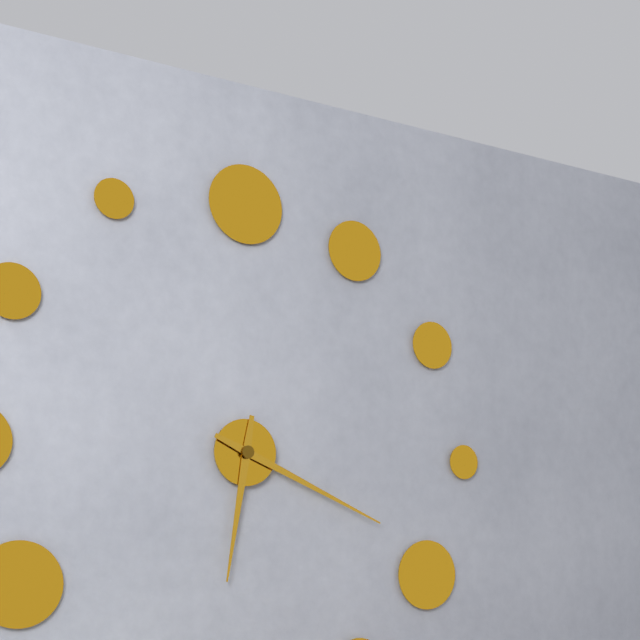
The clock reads 6,19
